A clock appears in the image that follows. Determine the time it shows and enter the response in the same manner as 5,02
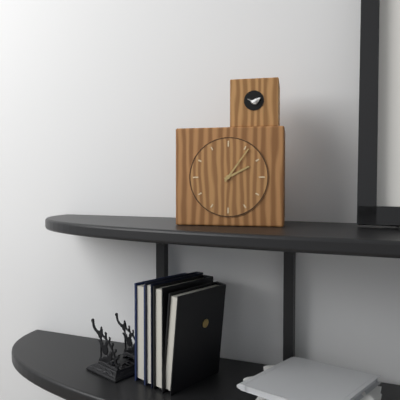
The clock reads 2,06
